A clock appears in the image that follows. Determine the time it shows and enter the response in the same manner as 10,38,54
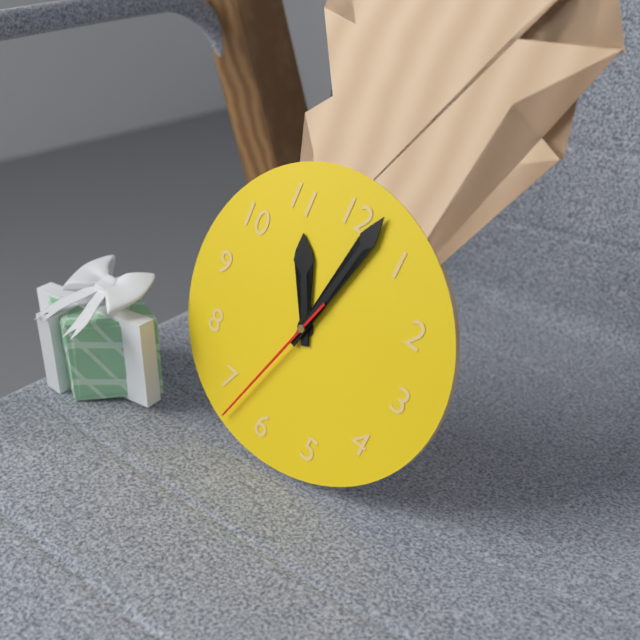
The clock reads 11,02,33
